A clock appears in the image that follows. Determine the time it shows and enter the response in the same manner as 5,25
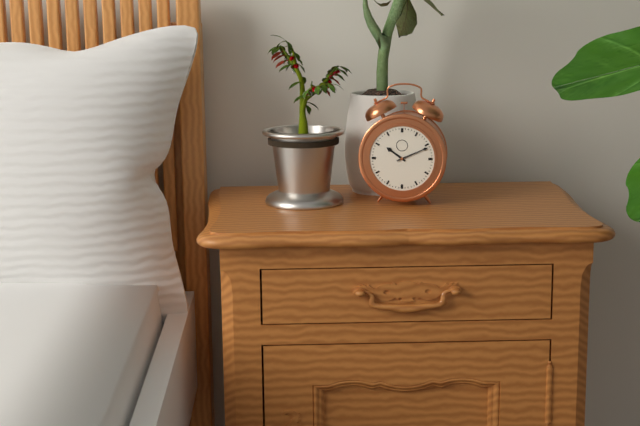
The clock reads 10,11
